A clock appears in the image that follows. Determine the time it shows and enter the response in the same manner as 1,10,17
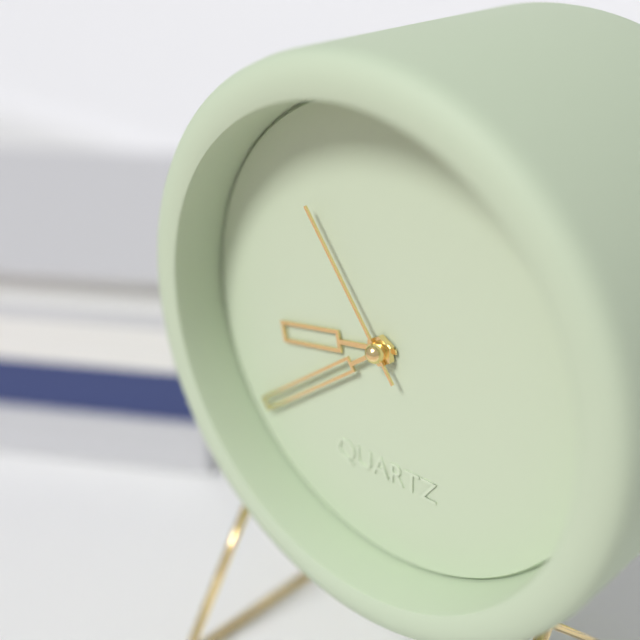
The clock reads 8,39,54
